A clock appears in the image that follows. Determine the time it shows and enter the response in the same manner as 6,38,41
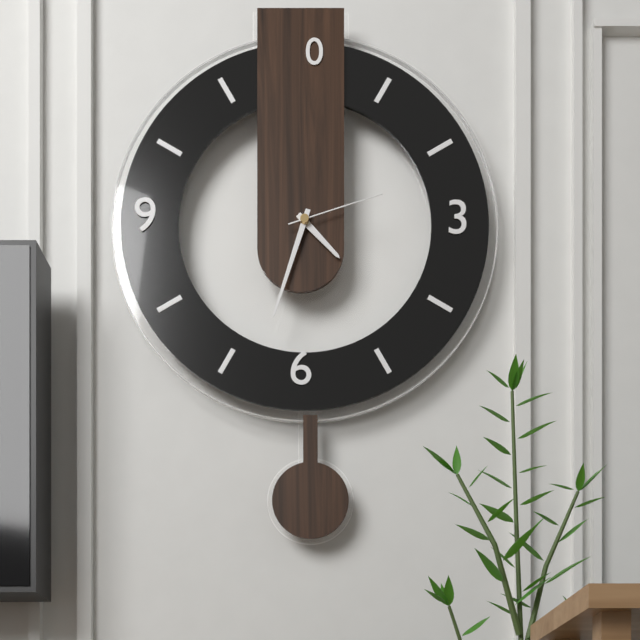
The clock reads 4,33,12
